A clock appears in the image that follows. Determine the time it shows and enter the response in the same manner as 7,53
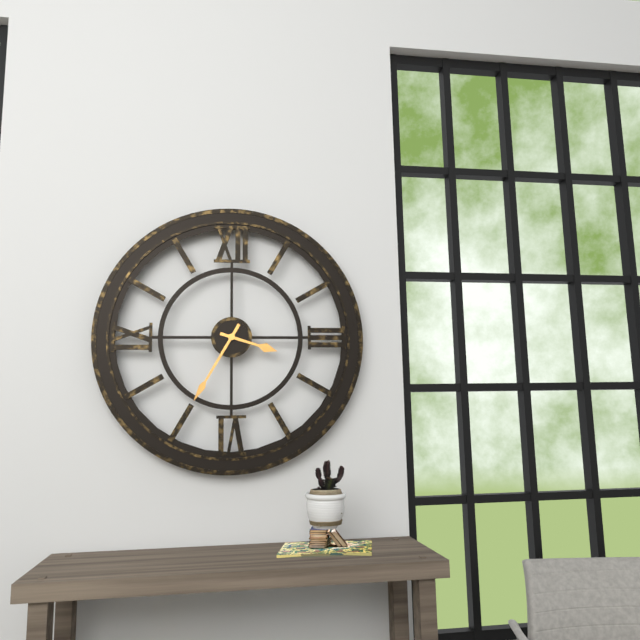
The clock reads 3,35
